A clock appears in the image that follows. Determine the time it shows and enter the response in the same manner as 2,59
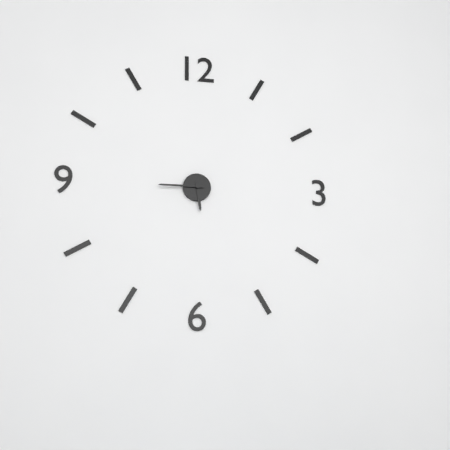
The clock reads 5,45
